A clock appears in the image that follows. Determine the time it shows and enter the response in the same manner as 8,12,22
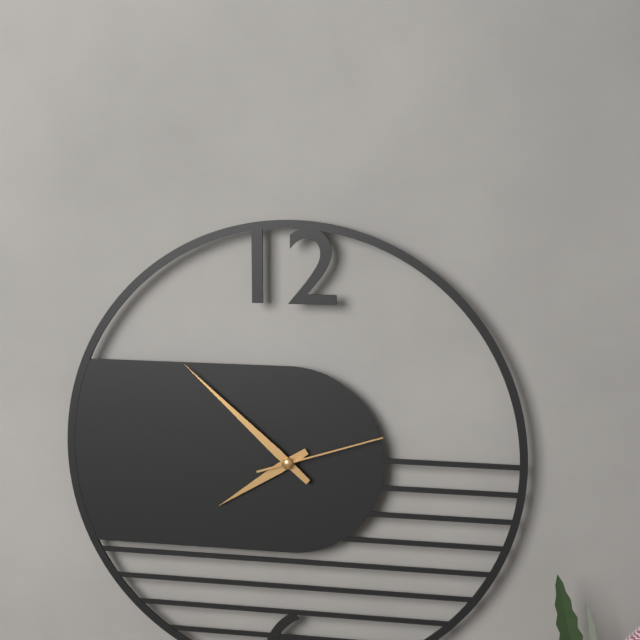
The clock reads 7,52,12
